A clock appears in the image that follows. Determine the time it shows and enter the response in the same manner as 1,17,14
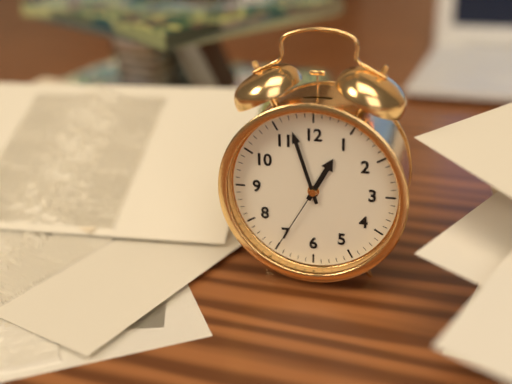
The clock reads 12,57,35
